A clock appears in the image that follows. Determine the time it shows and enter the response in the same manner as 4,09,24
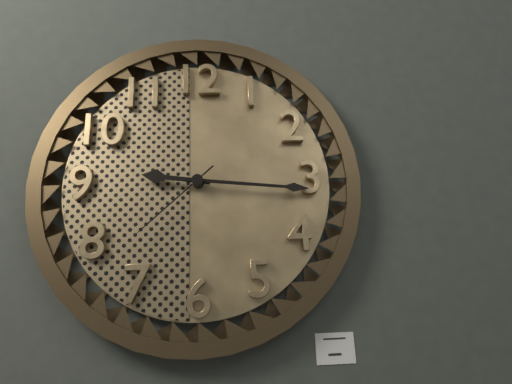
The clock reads 9,16,38
